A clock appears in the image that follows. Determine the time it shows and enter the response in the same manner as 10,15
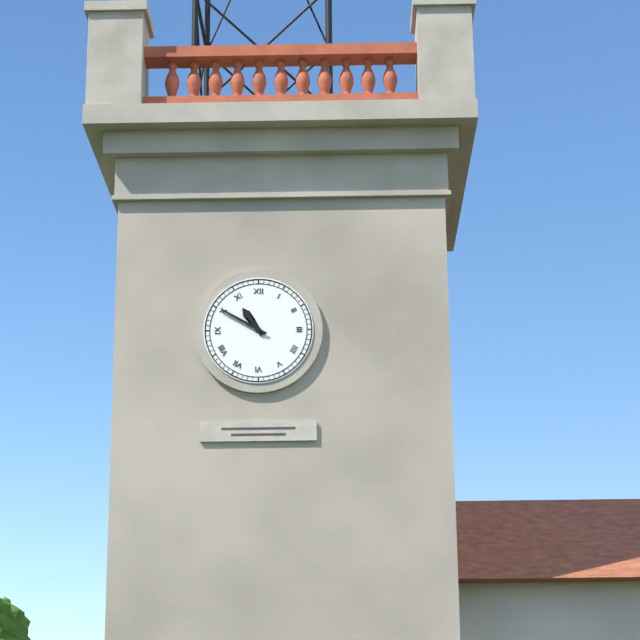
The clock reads 10,50
